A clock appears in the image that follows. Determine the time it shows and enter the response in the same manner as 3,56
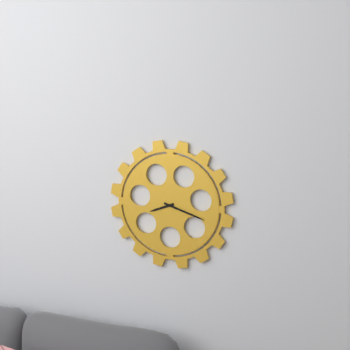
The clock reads 8,18
